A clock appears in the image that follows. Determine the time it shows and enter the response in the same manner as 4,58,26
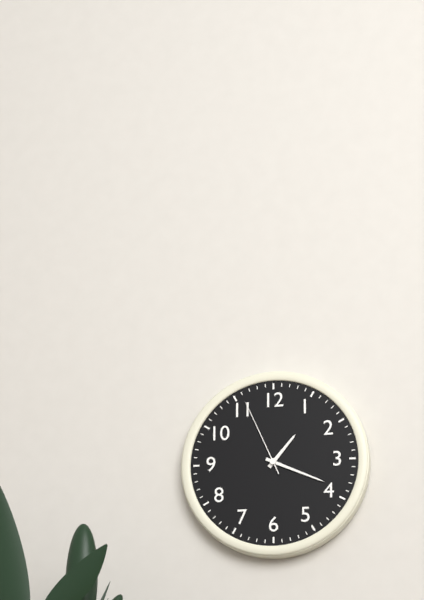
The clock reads 1,19,56
